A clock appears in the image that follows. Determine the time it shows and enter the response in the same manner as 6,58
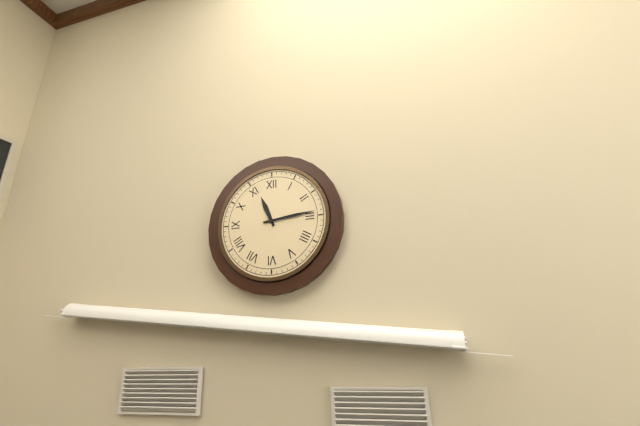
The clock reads 11,14
